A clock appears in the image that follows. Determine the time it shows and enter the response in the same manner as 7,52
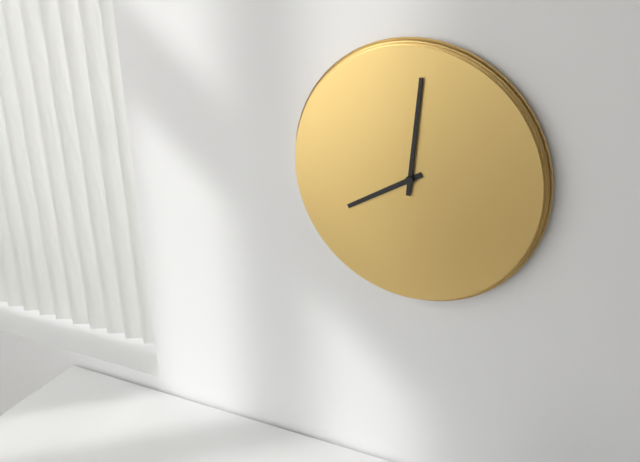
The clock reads 8,01
